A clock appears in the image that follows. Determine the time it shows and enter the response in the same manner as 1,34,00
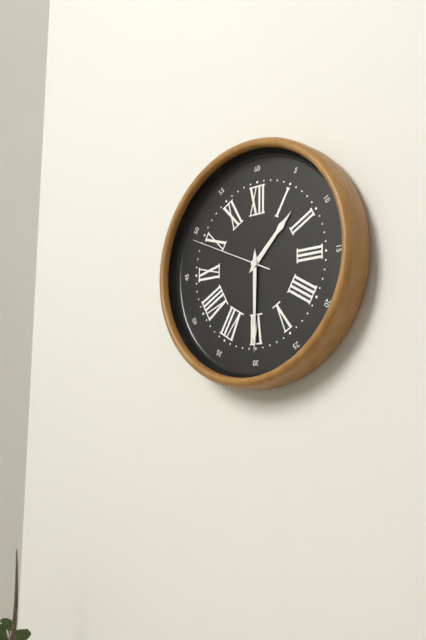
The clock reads 1,30,49
